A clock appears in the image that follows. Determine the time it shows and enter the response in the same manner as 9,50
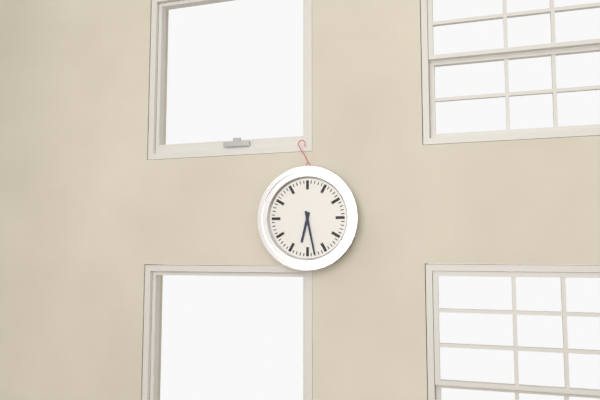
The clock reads 6,28
